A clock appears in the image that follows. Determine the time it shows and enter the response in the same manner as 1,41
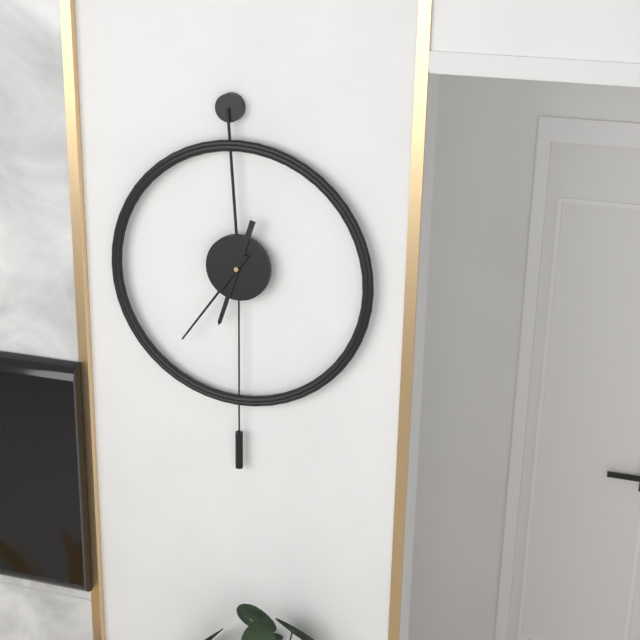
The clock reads 6,36
